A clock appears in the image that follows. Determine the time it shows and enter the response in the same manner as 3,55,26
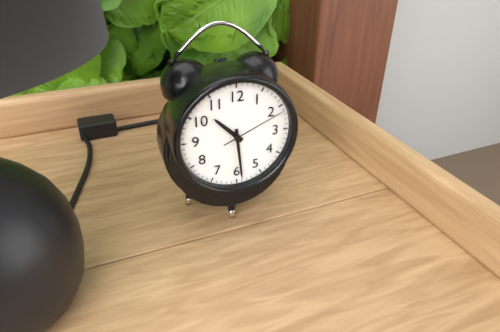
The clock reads 10,29,11
